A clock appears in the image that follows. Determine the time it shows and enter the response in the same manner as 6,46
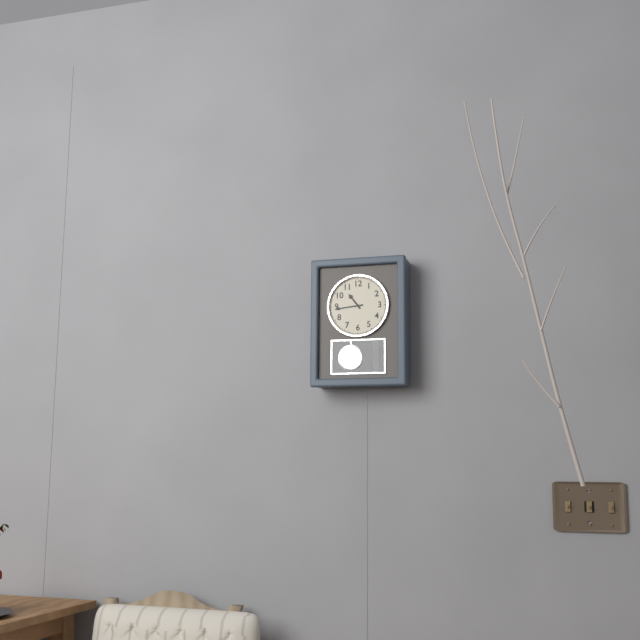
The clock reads 10,44
